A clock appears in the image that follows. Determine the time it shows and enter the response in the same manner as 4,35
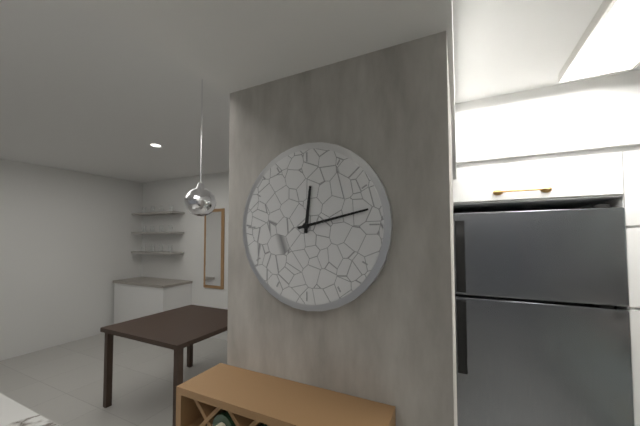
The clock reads 12,13
